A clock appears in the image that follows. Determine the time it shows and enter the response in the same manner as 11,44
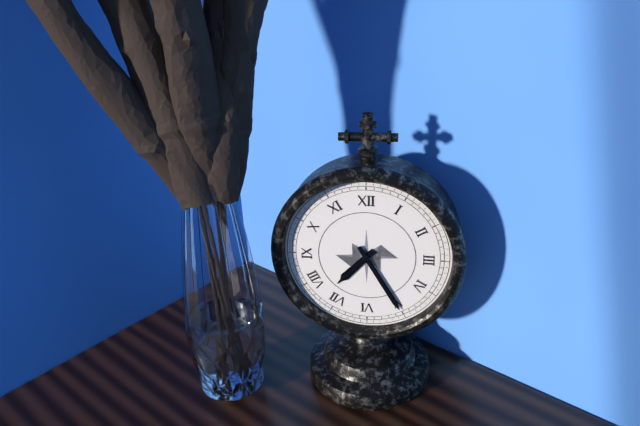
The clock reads 7,25
